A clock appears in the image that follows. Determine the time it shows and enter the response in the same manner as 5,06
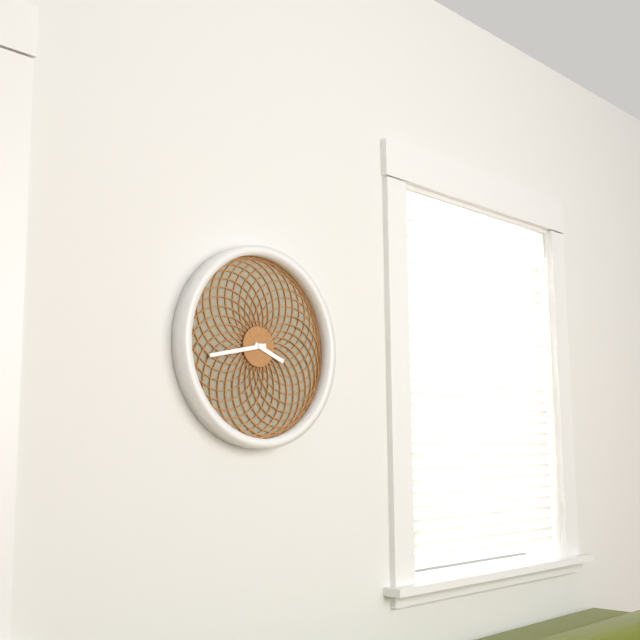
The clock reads 3,43
